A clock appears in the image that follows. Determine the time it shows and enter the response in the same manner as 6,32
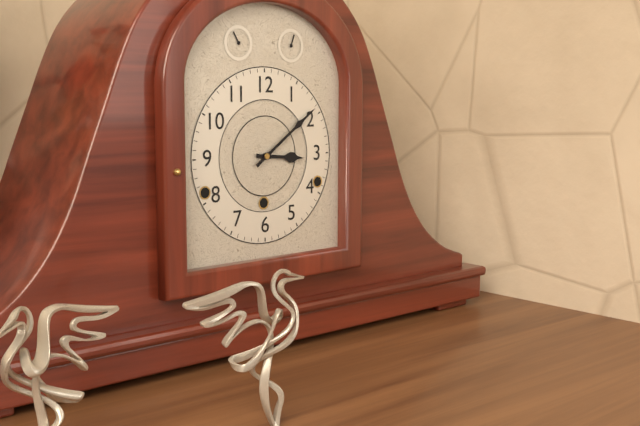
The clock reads 3,09
